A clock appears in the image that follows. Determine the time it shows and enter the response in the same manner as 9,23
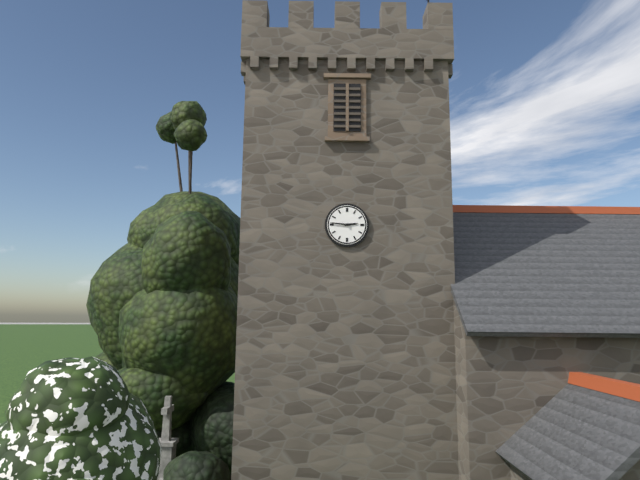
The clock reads 2,46
